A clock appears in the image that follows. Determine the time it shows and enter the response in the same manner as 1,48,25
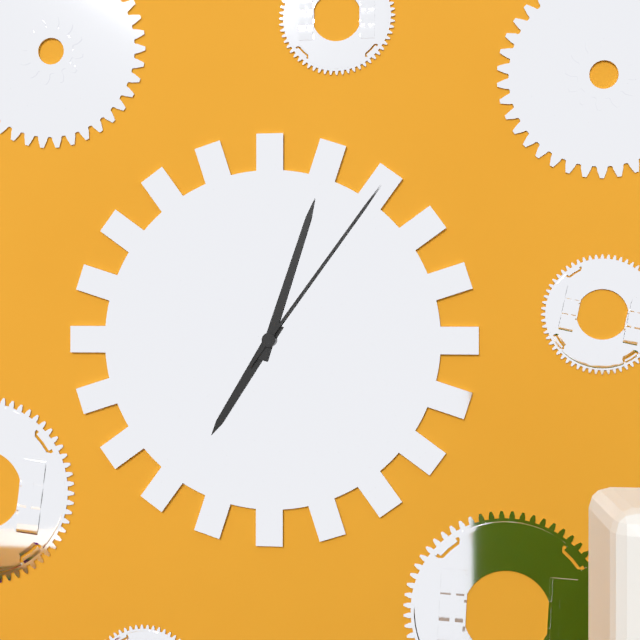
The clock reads 7,03,06
